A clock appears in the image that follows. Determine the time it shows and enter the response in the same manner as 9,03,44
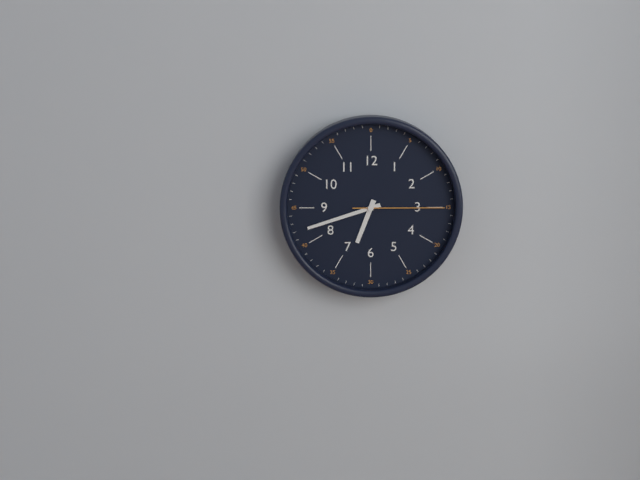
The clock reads 6,42,15
